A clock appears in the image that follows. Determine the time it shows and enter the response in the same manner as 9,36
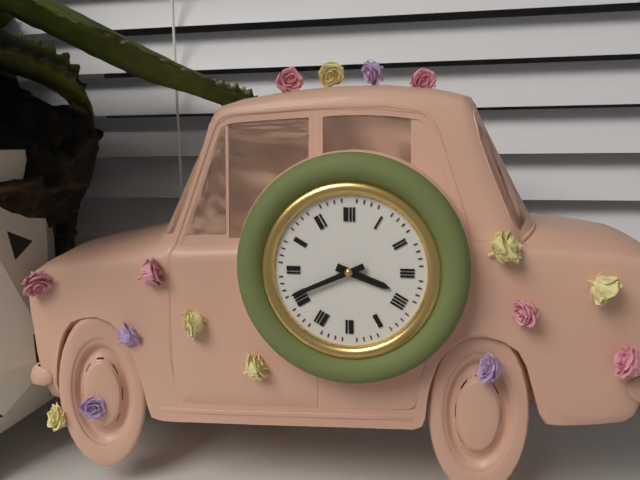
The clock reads 3,41
